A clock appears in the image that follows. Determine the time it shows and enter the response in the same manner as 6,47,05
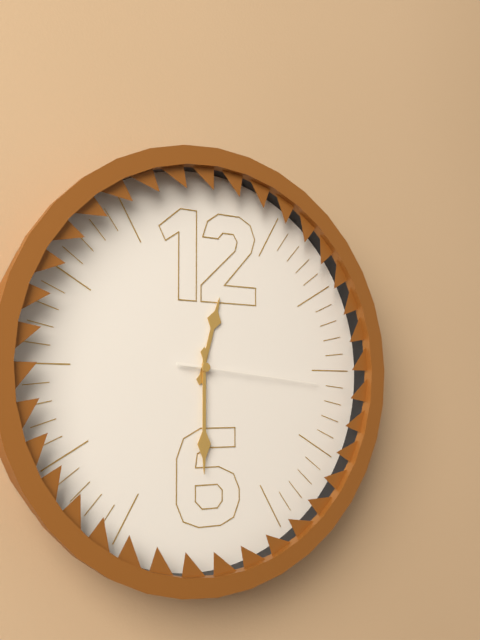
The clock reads 12,30,16
